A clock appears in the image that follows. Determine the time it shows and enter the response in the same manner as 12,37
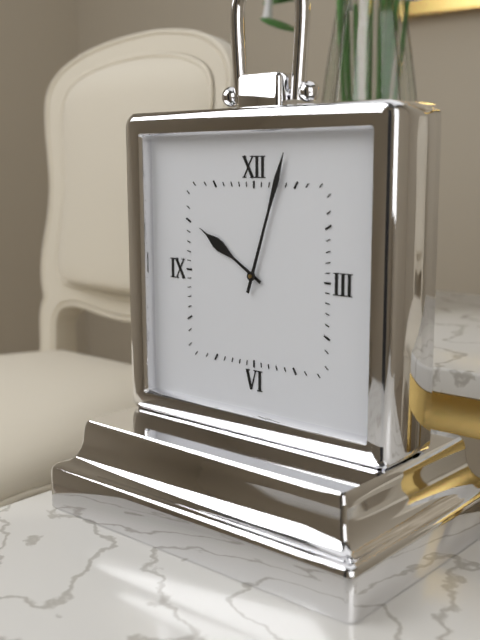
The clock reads 10,03
